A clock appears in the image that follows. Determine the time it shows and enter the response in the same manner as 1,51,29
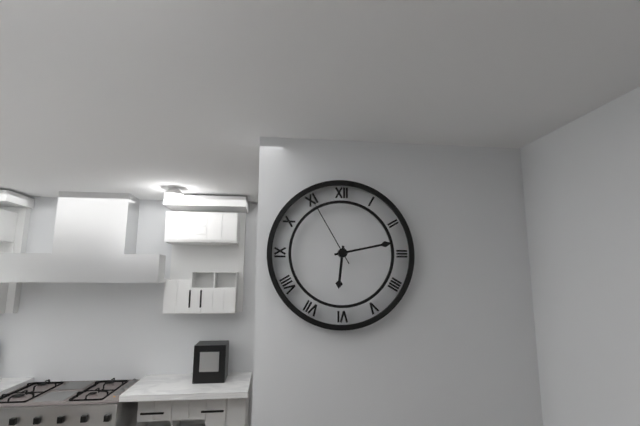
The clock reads 6,13,55
